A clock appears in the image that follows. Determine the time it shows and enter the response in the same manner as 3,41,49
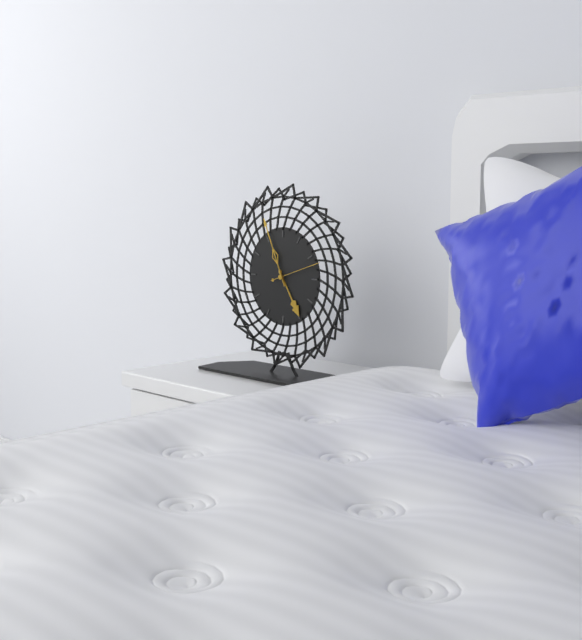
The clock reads 4,56,12
